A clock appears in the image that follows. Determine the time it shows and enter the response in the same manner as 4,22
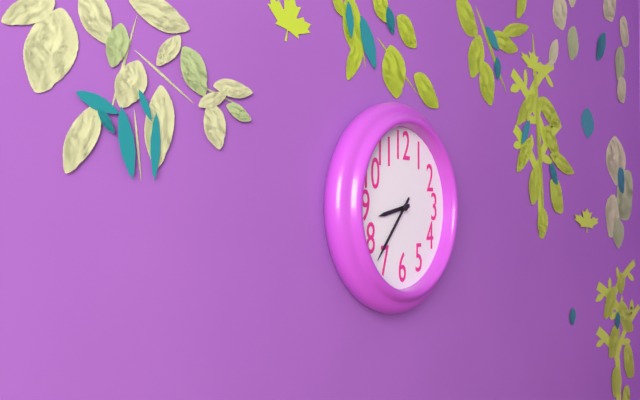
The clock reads 8,37
